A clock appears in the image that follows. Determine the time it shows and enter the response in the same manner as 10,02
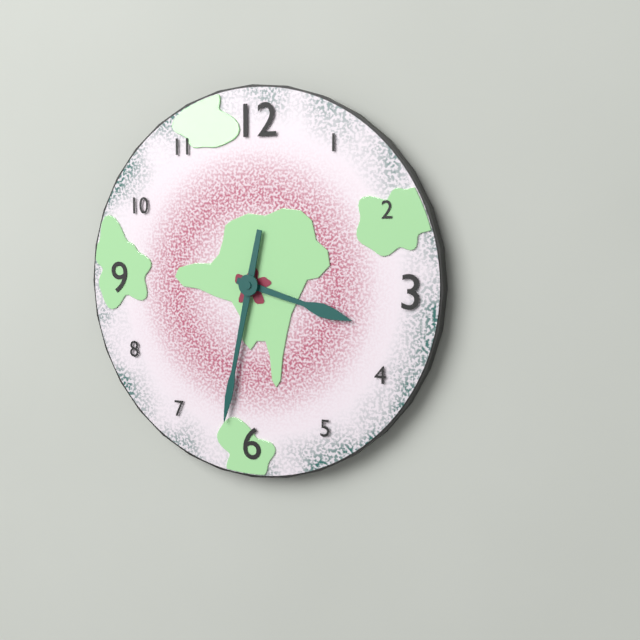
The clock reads 3,32
